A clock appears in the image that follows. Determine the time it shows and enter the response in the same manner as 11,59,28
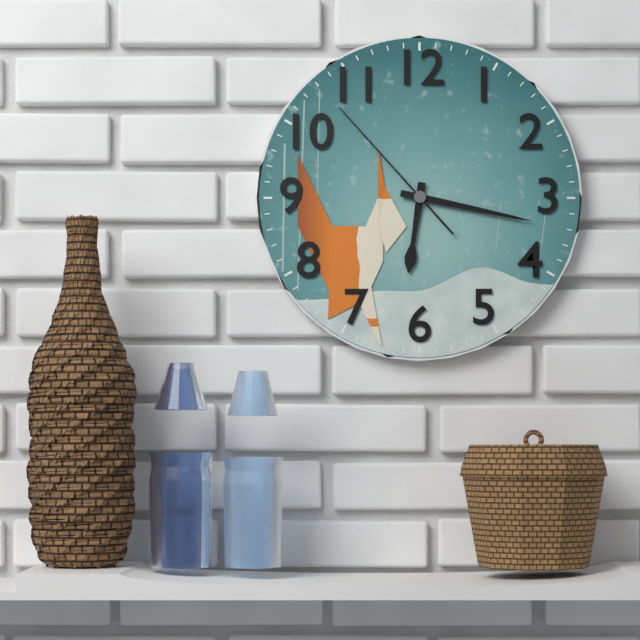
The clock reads 6,17,53
